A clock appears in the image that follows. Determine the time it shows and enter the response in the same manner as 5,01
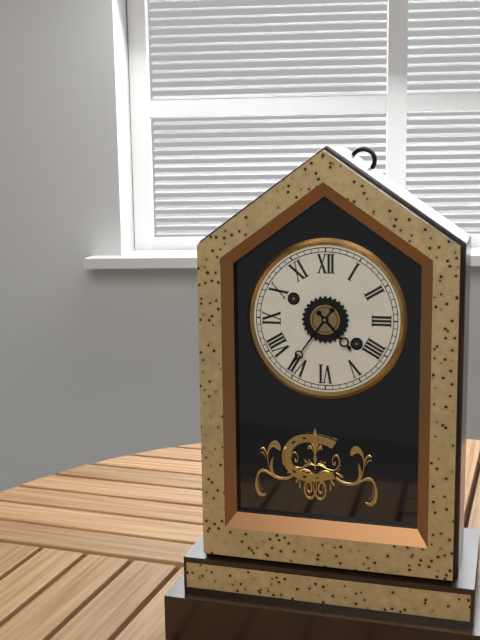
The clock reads 4,36
